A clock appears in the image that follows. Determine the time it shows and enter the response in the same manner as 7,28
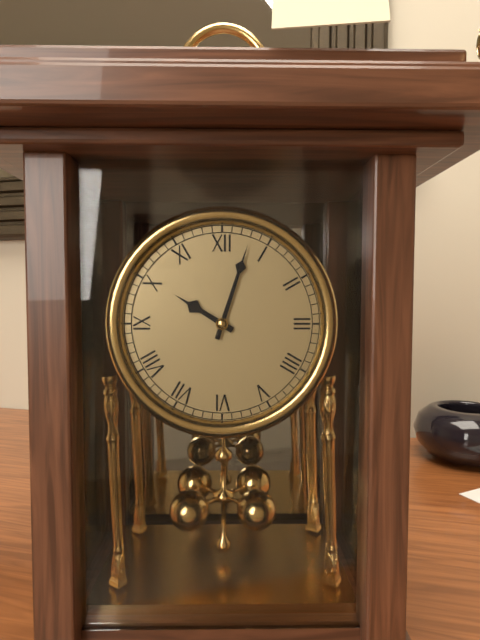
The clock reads 10,03
